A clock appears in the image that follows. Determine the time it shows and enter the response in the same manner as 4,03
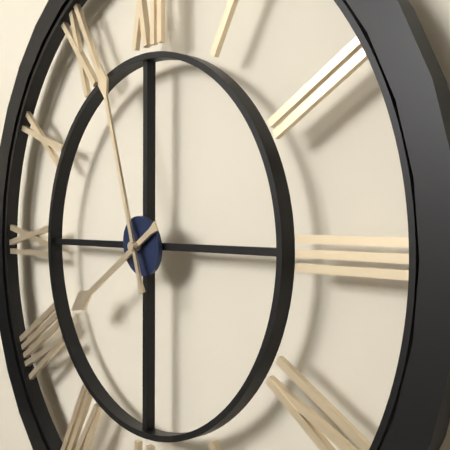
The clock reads 7,57
